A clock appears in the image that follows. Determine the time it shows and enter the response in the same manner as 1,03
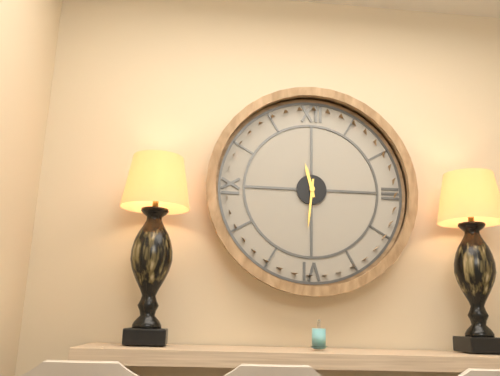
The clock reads 11,31
